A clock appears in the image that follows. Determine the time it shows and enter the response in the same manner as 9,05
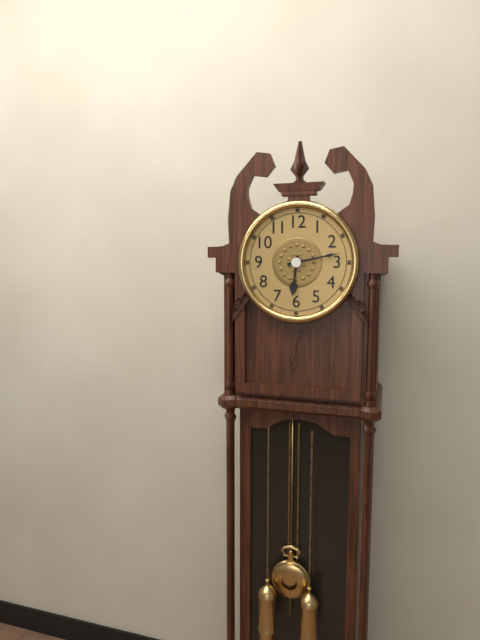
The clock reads 6,13
